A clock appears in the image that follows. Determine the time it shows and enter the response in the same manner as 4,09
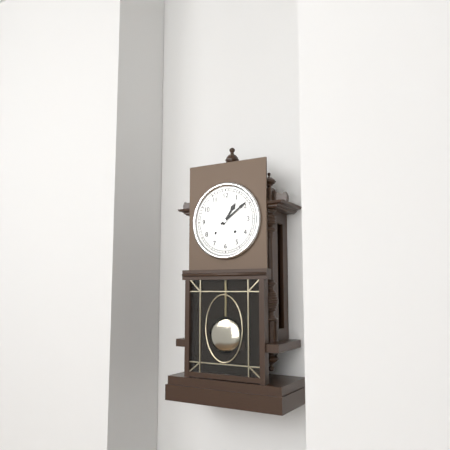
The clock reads 1,09
